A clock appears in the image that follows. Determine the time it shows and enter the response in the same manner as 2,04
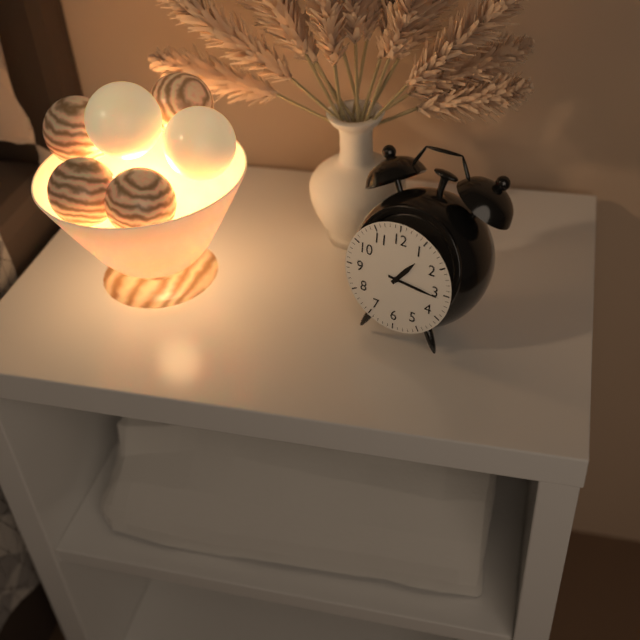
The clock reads 1,16
